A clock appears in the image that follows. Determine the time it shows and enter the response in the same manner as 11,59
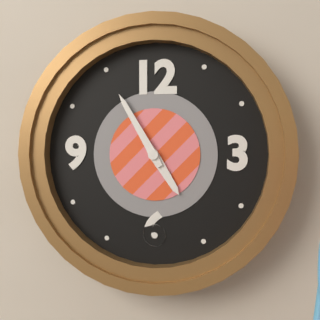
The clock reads 4,55
